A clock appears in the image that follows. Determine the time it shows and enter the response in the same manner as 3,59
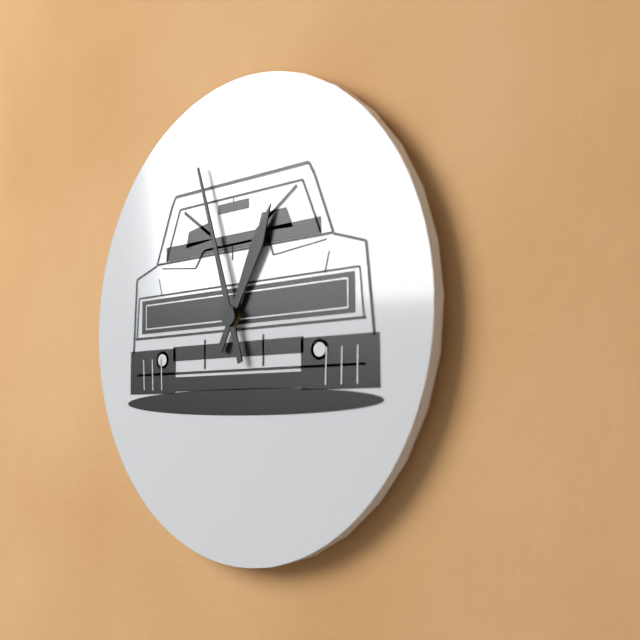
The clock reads 12,57
